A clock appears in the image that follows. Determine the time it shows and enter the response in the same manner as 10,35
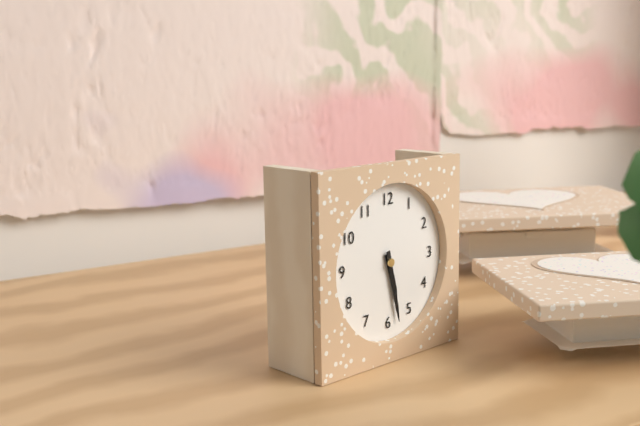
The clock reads 5,28
